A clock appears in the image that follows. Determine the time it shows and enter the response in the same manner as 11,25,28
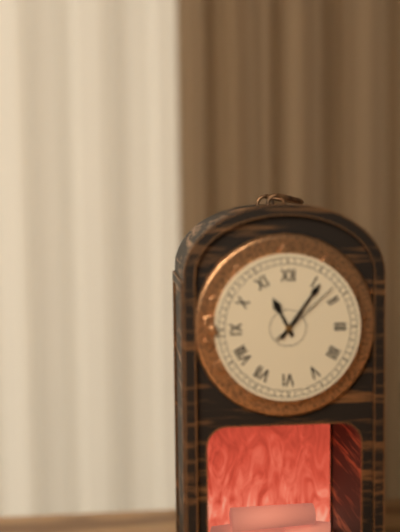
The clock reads 11,06,08
